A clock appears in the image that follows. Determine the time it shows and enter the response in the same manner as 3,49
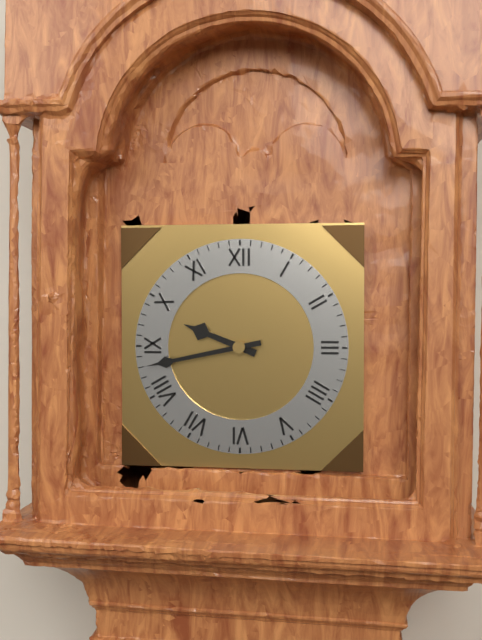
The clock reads 9,43
